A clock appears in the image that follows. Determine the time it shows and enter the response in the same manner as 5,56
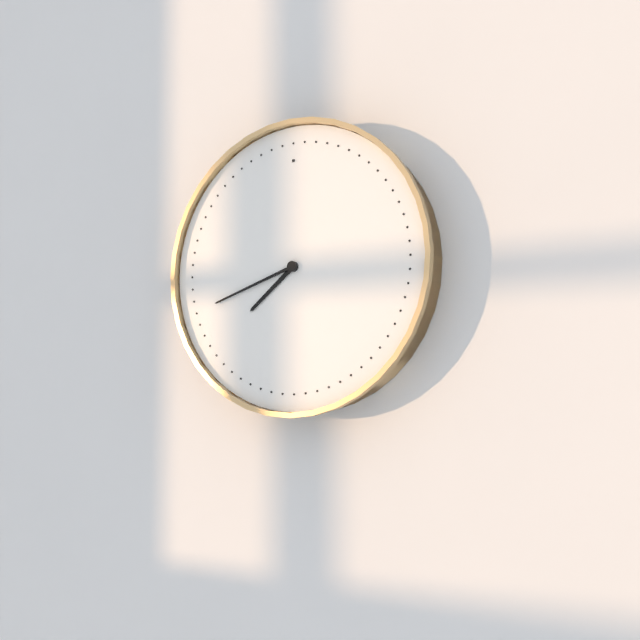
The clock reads 7,42
